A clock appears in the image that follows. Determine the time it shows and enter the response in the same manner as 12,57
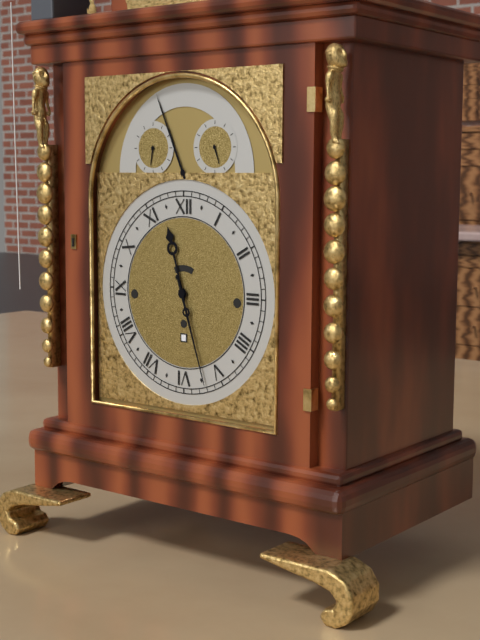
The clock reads 11,27
